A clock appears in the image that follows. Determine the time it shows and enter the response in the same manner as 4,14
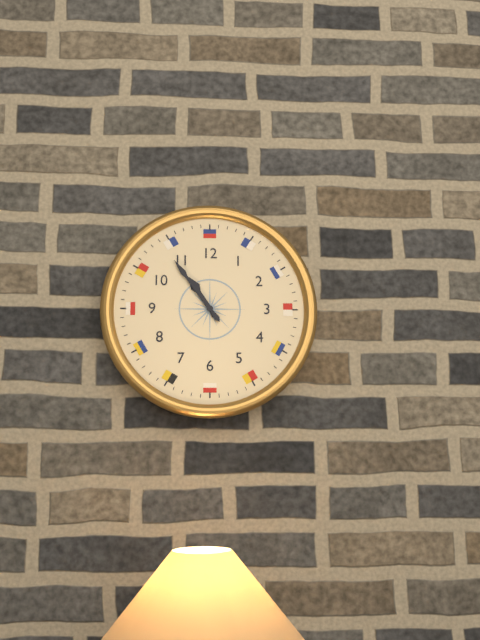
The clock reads 10,54
